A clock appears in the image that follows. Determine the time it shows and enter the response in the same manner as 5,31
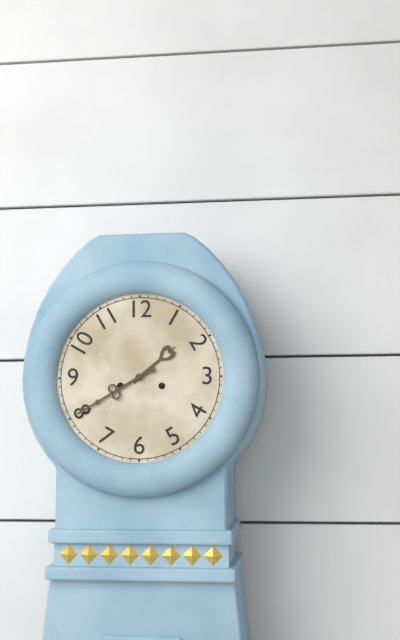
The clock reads 1,40
